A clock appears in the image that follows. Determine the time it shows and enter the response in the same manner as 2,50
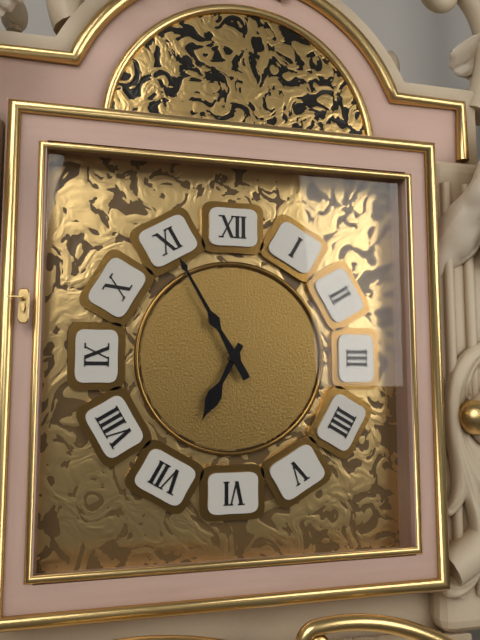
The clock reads 6,55
